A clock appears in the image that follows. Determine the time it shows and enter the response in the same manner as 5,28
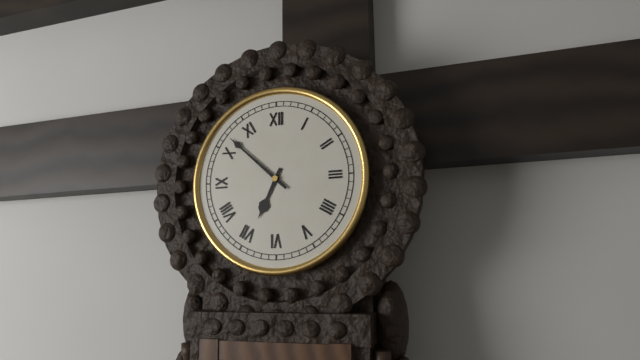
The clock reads 6,52
